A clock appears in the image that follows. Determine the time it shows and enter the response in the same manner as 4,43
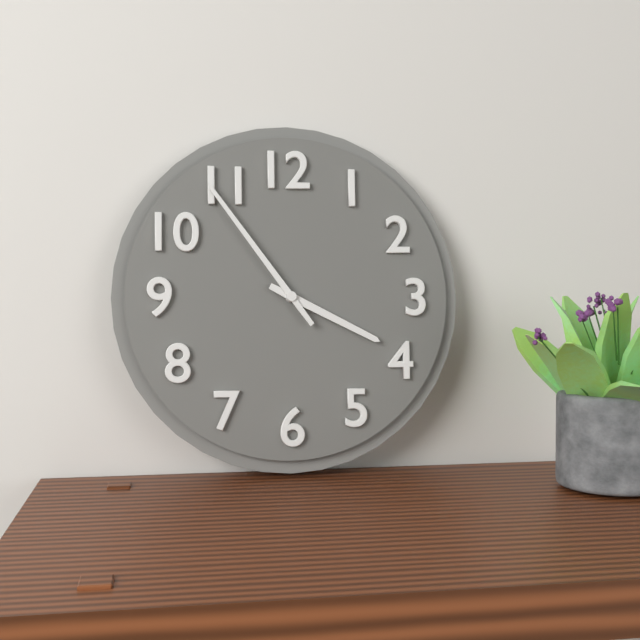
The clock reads 3,54
